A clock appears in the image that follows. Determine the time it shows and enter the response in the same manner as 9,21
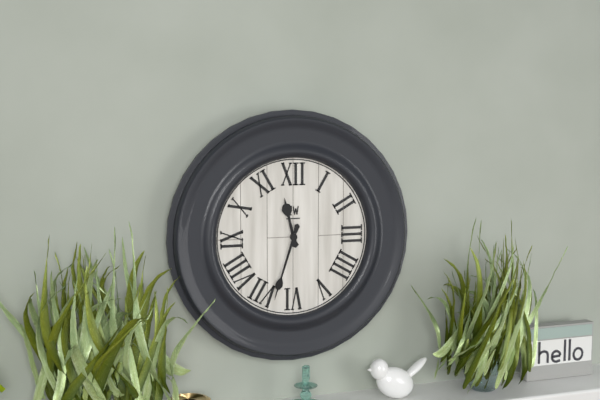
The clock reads 11,33
